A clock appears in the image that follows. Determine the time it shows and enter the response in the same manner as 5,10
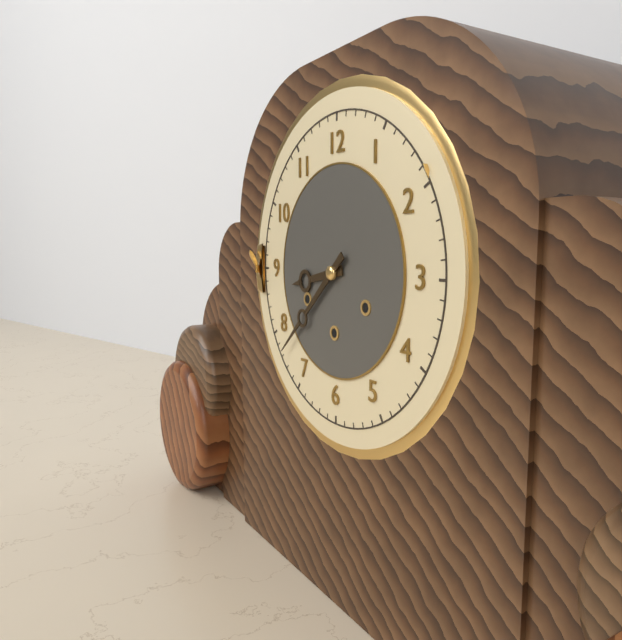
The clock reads 8,38
